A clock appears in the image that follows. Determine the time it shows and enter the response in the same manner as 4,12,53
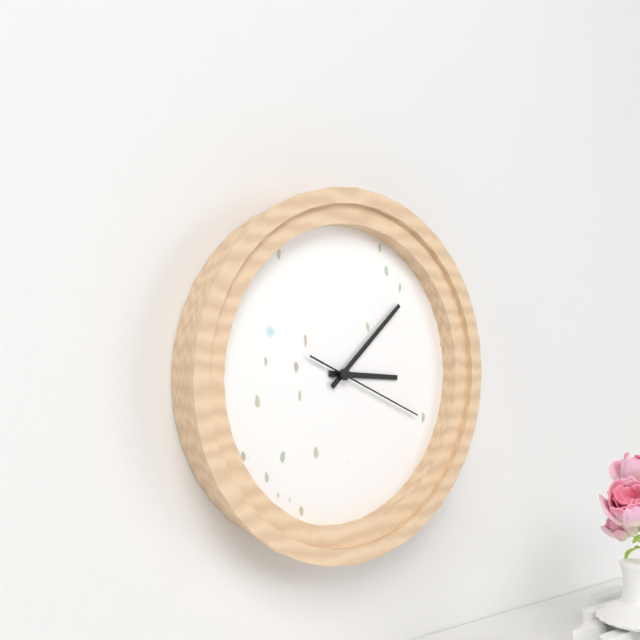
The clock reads 3,08,19
